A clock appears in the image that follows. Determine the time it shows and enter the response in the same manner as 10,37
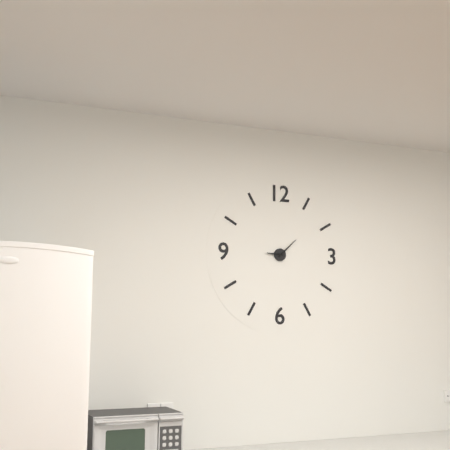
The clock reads 9,08
